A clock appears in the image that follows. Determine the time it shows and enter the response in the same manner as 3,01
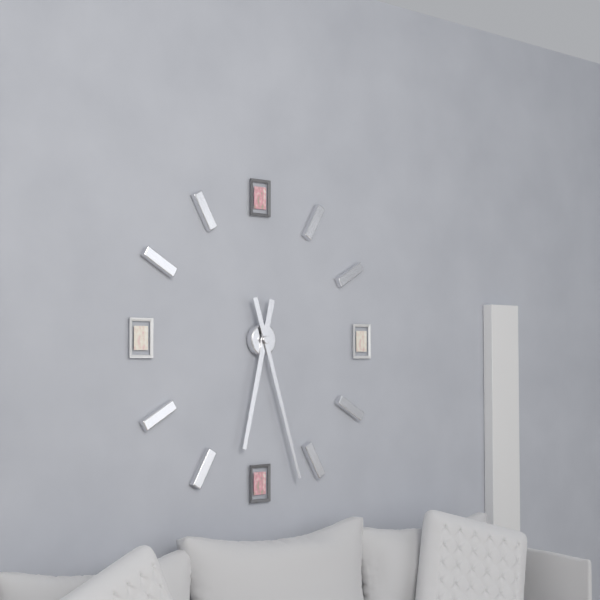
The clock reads 6,27
